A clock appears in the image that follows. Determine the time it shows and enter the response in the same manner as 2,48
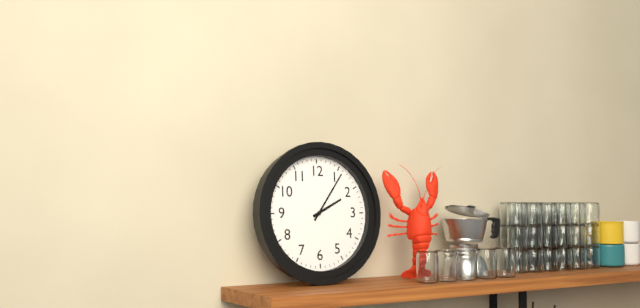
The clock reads 2,06
